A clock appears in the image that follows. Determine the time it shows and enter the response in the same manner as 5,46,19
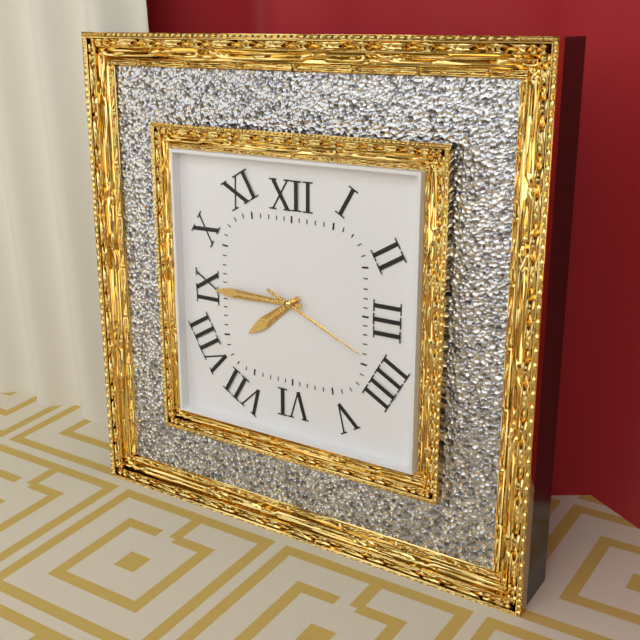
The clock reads 7,45,19
